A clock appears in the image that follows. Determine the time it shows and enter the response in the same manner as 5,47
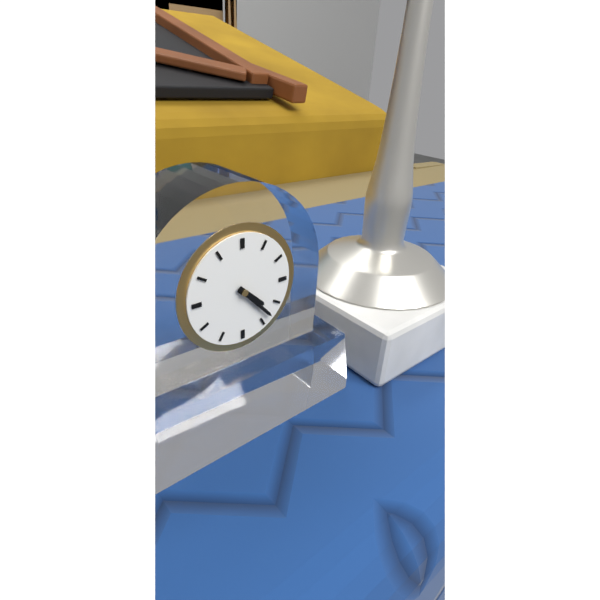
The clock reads 4,23
